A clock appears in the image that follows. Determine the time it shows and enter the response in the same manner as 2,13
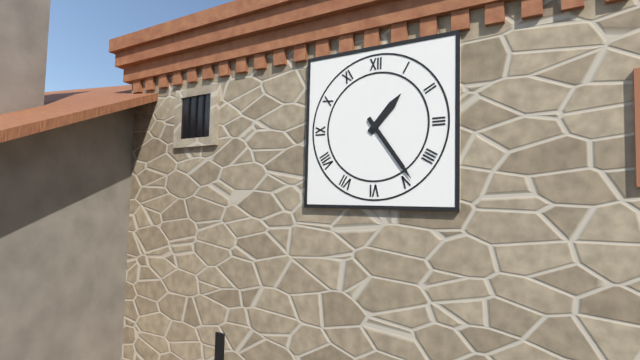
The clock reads 1,24
